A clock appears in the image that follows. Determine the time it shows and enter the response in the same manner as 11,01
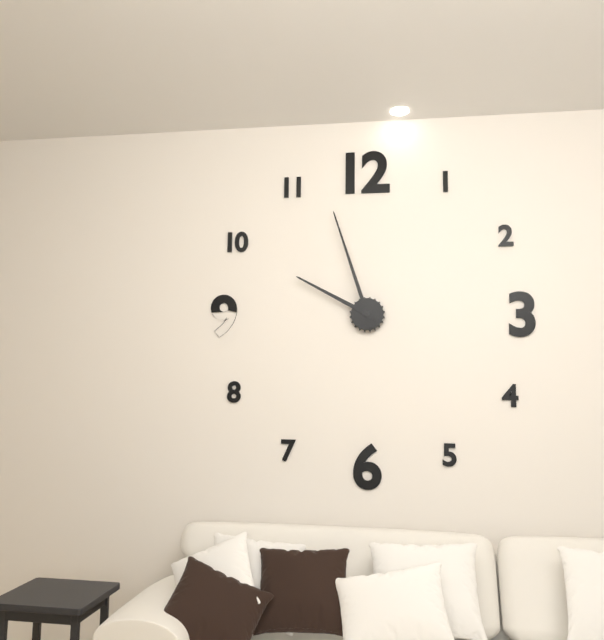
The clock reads 9,57
